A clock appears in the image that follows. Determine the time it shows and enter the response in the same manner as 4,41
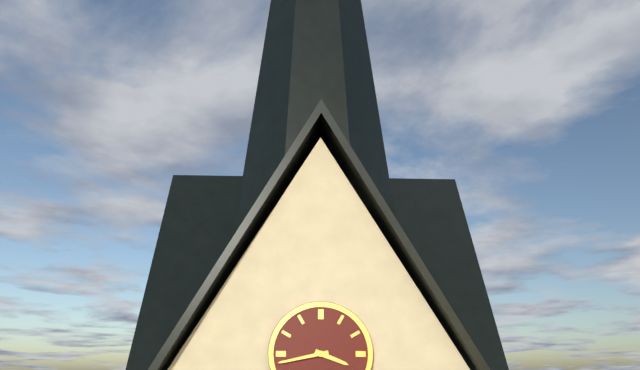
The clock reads 3,43
